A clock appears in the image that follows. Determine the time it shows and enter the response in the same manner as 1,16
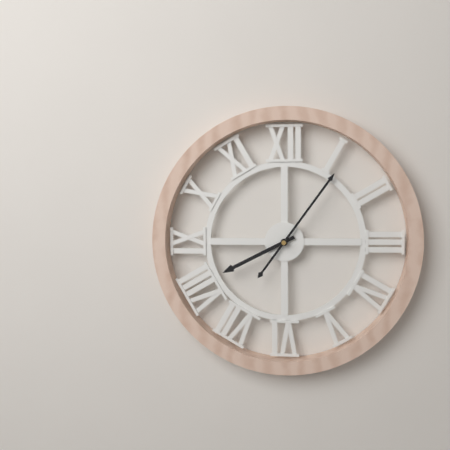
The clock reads 8,06
